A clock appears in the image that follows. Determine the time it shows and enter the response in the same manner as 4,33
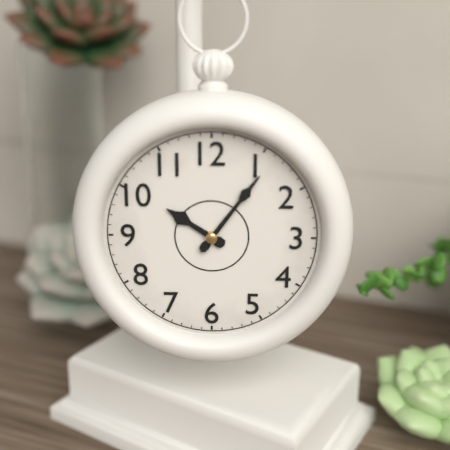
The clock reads 10,06
